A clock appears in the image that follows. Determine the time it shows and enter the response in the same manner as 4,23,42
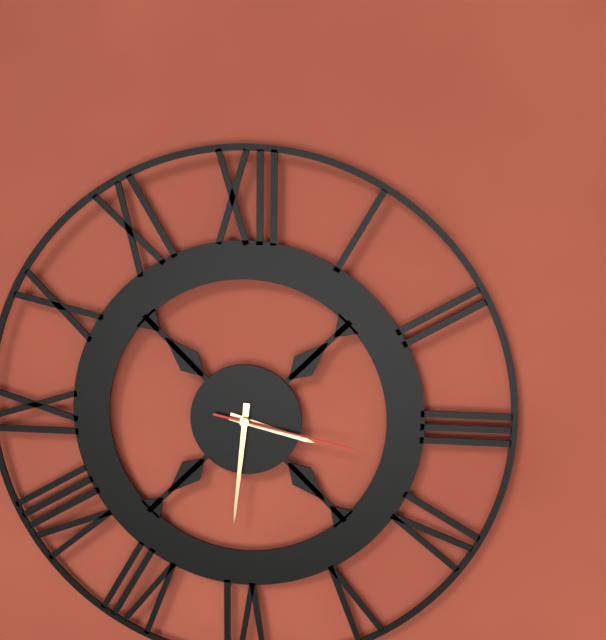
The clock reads 3,31,17
